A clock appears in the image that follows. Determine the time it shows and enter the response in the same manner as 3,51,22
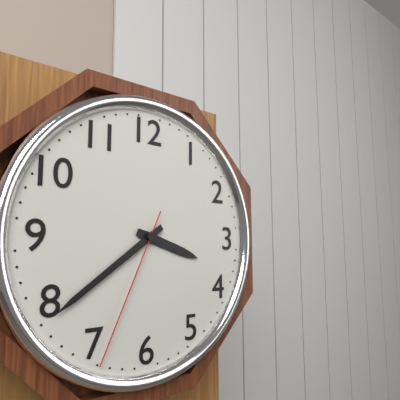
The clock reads 3,39,34
